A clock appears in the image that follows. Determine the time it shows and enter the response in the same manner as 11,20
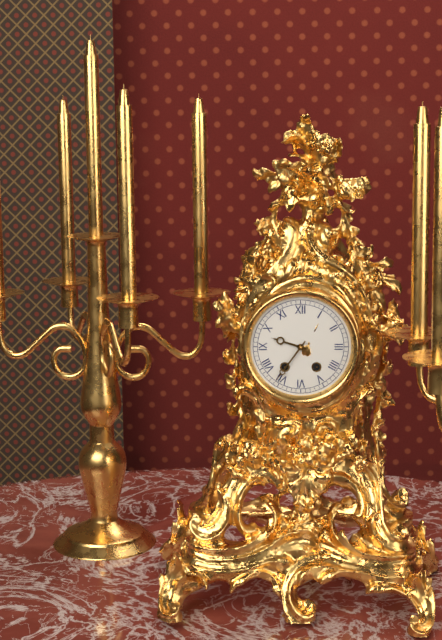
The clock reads 9,36
